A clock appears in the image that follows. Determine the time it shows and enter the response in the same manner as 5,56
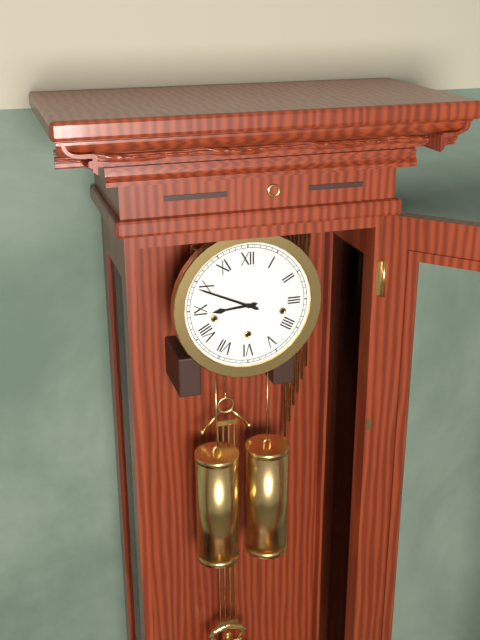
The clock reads 8,49
